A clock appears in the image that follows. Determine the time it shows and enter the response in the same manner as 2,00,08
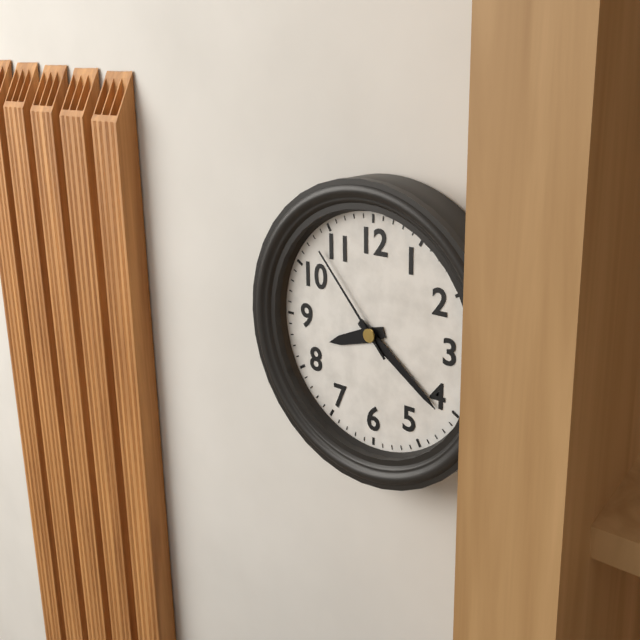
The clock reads 8,21,53
